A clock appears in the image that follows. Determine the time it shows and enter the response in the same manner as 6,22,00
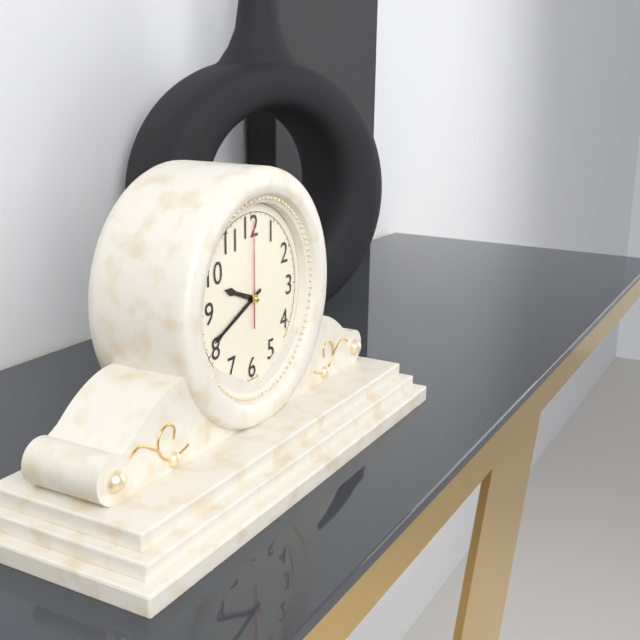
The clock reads 9,41,00
